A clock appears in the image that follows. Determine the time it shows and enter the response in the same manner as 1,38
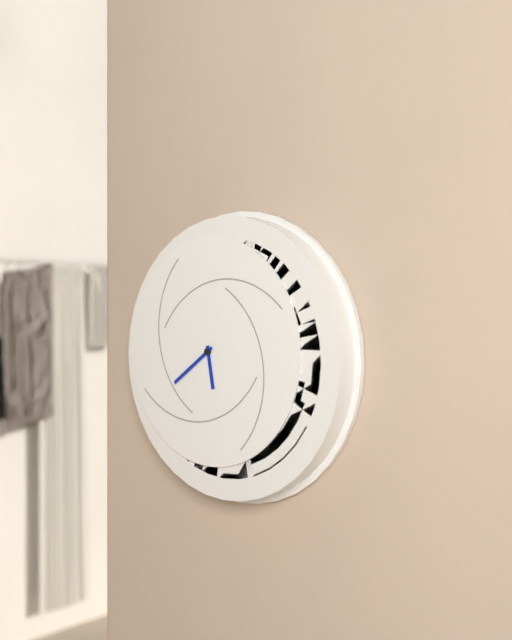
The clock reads 5,39
